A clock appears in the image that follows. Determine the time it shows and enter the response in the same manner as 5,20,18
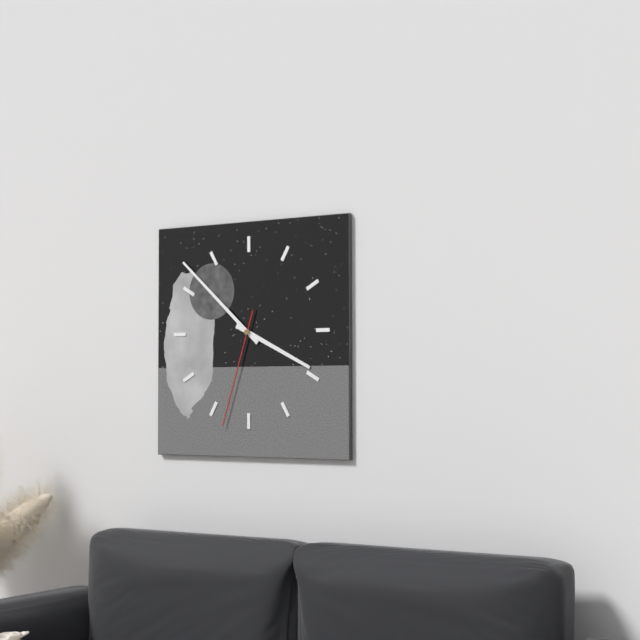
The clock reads 3,52,33
